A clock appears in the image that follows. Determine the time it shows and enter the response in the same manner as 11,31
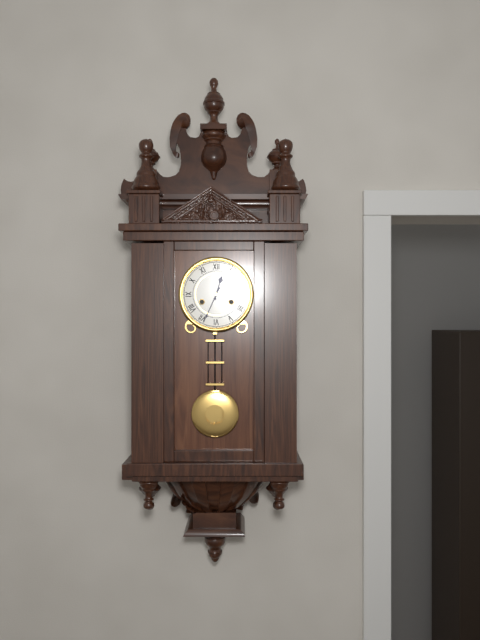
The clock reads 12,34
